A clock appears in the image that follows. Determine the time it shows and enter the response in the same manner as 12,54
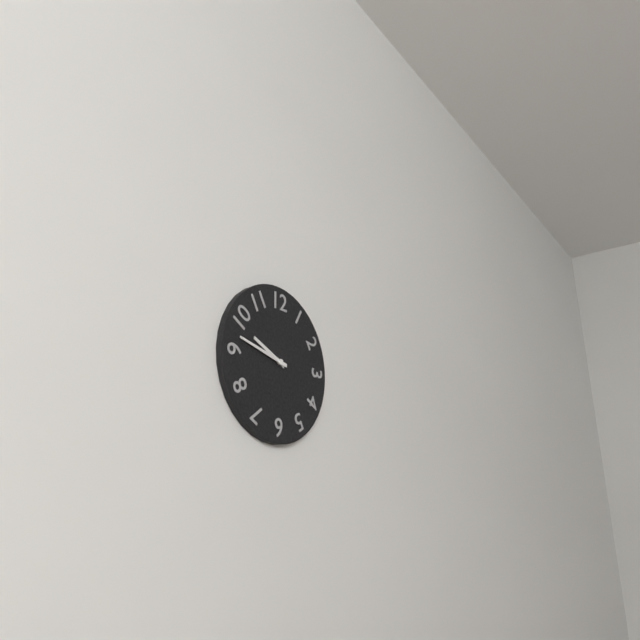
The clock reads 9,47
